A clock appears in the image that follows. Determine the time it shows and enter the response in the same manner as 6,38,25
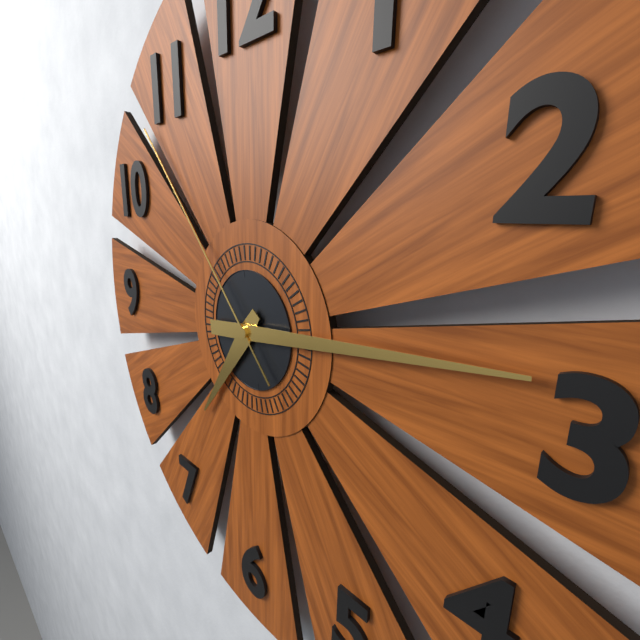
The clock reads 7,14,53
